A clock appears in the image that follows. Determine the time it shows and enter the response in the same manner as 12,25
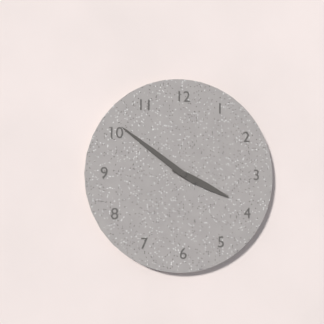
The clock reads 3,51
